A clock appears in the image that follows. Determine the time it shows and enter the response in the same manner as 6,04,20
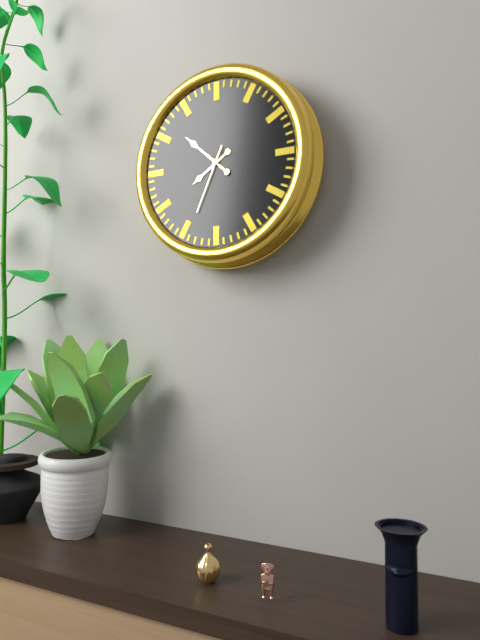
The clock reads 7,52,34
